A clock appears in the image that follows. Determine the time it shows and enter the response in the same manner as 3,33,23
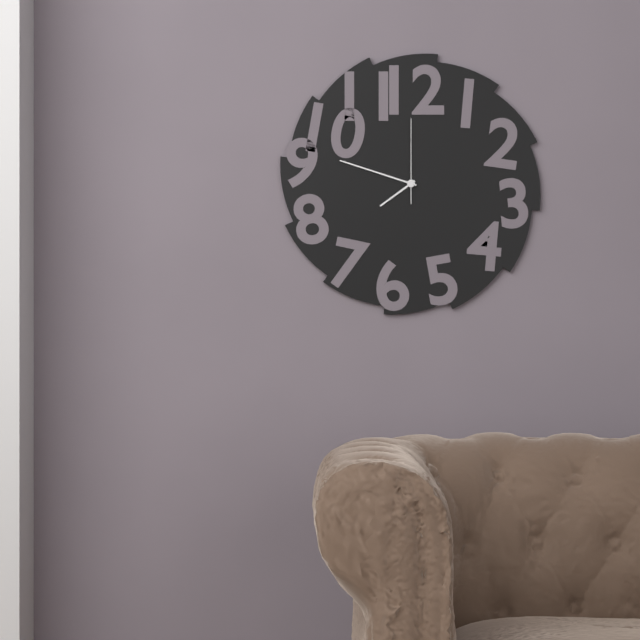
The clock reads 7,48,00
